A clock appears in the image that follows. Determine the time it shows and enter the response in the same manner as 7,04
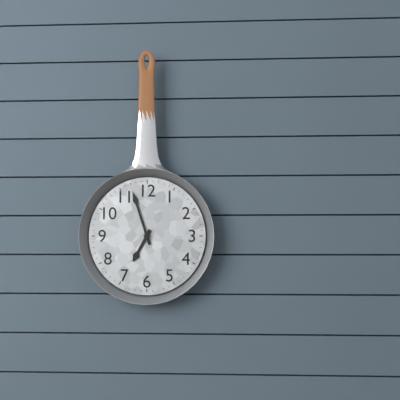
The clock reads 6,57
